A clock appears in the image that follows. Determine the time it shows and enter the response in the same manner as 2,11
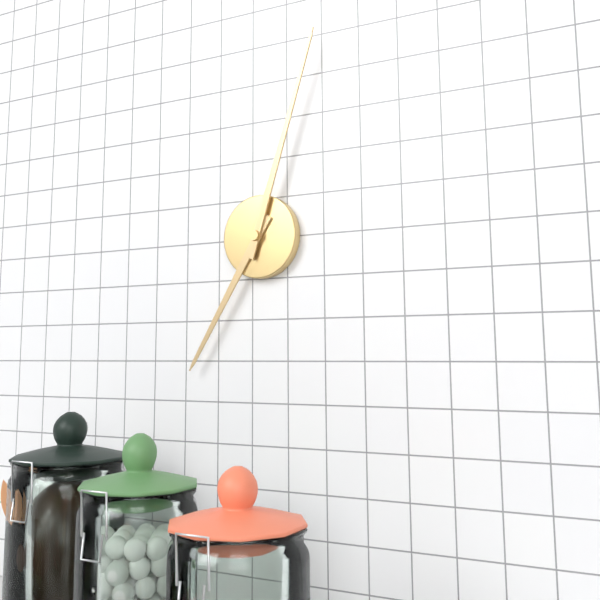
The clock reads 7,03
